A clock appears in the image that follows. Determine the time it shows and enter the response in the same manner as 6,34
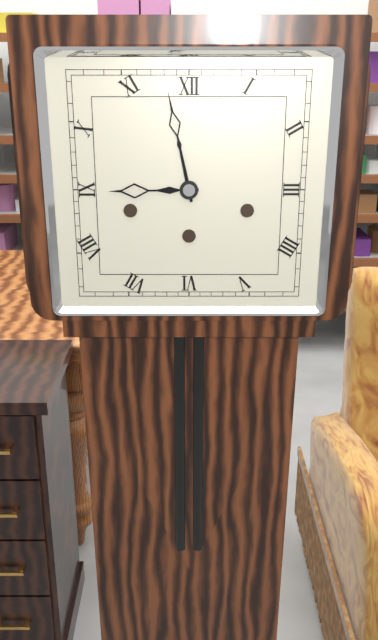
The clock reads 8,58
